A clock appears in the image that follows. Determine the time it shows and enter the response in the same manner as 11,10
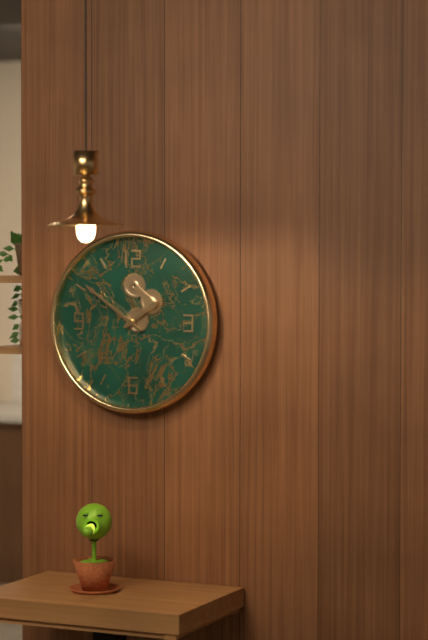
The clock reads 1,51
